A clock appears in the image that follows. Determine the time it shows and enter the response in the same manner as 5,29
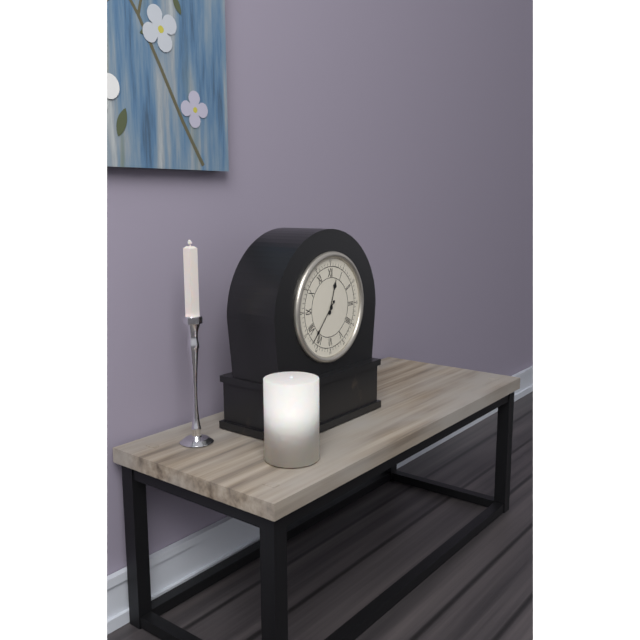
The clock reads 12,37
